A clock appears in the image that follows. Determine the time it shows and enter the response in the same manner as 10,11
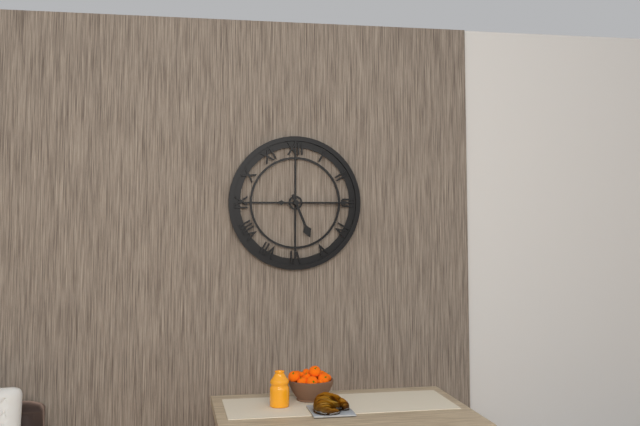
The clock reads 5,15
